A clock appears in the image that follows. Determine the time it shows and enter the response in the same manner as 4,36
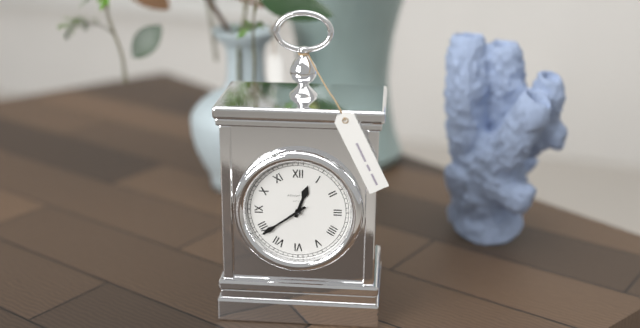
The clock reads 12,39
